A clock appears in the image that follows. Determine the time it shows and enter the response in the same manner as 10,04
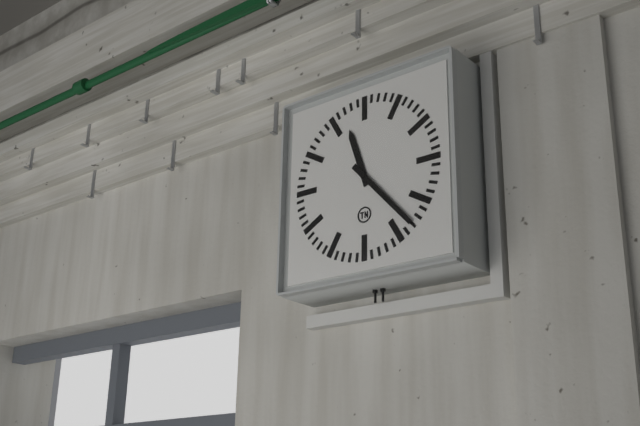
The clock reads 11,23
